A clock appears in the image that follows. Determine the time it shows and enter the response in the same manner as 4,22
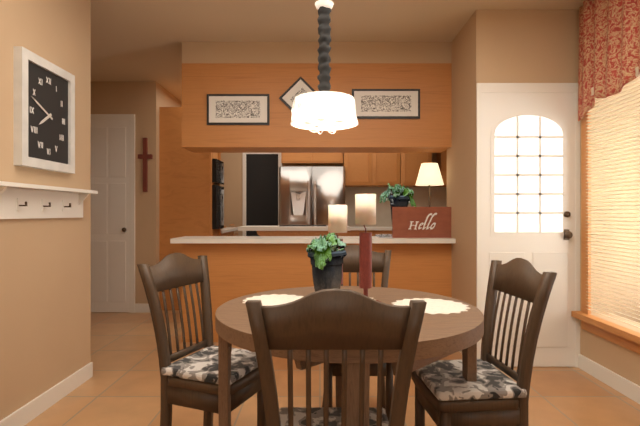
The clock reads 7,49
